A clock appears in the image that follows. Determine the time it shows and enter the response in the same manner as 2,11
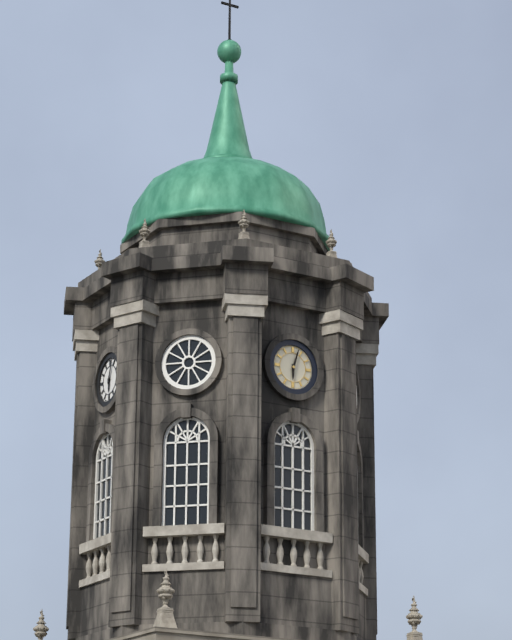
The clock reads 6,03
